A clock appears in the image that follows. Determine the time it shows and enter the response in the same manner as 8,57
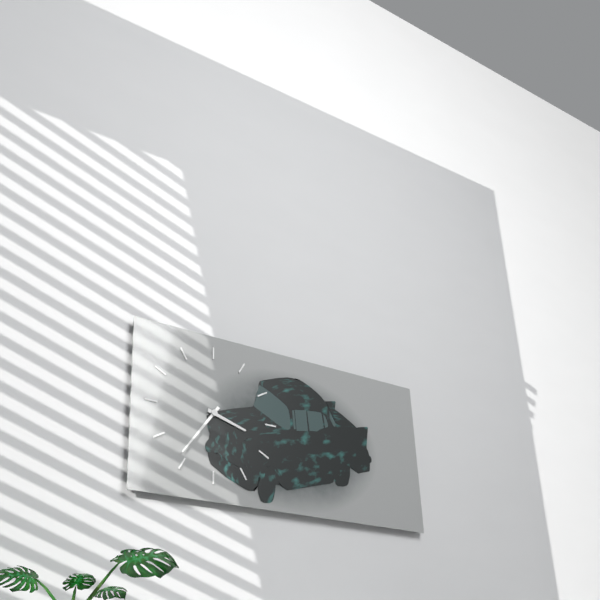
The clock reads 3,36
